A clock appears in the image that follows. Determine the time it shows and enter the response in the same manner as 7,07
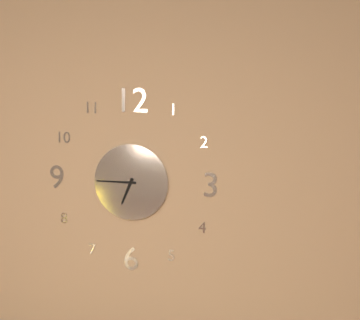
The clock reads 6,45
